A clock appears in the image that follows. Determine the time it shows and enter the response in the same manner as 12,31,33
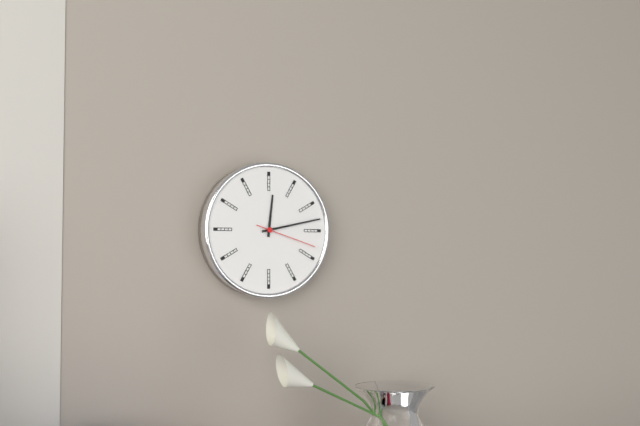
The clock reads 12,13,18
